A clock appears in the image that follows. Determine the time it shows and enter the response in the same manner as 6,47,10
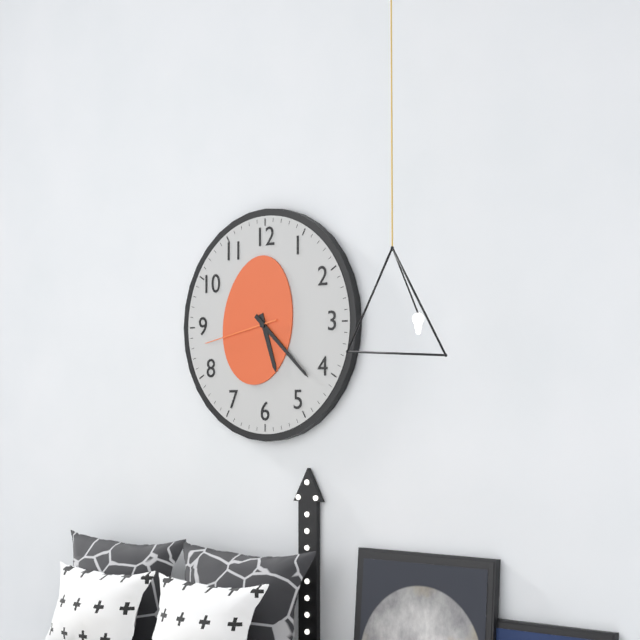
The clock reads 5,22,43
